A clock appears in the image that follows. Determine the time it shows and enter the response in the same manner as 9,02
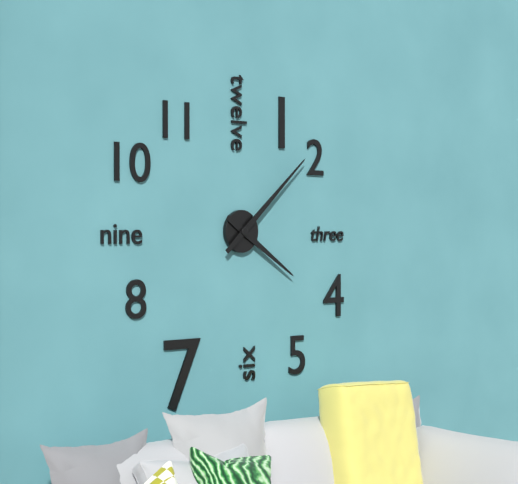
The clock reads 4,08
